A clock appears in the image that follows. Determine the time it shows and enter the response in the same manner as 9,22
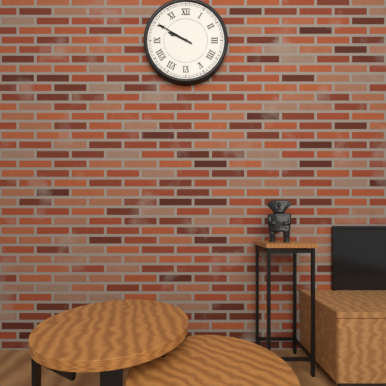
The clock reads 9,50
